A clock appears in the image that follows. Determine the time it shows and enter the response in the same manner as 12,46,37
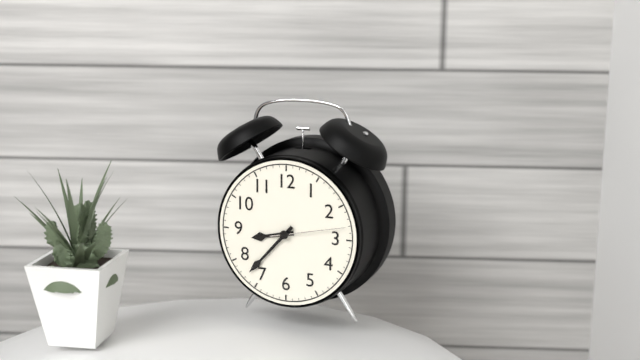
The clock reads 8,37,13
